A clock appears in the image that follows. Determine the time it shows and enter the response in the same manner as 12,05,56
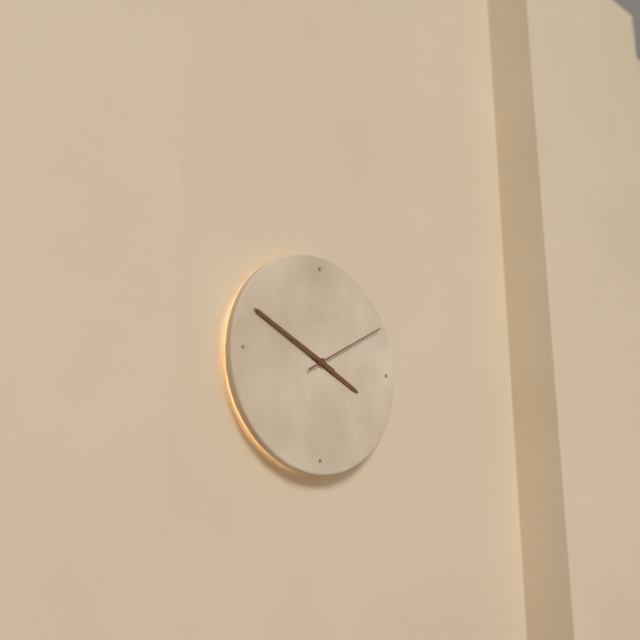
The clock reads 3,49,10
